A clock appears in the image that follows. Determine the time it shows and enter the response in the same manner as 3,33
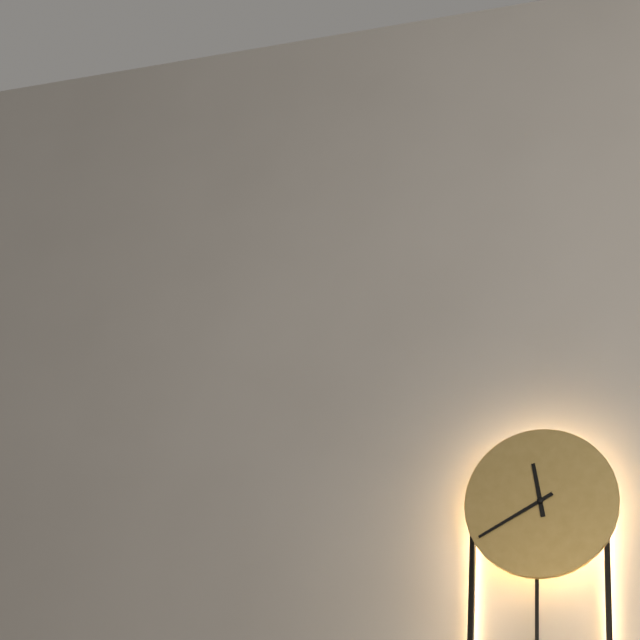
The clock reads 11,40
